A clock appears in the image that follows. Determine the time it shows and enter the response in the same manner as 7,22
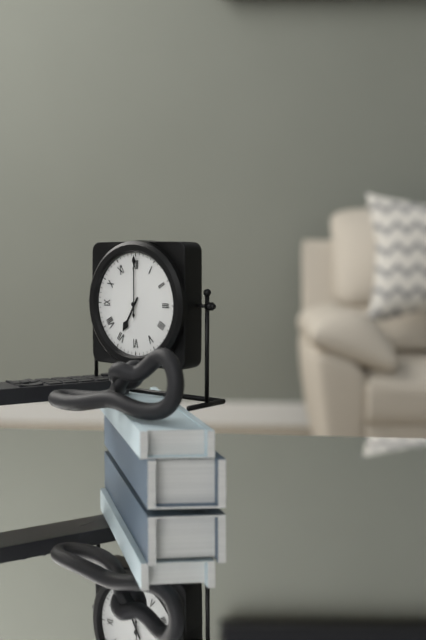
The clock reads 7,00
